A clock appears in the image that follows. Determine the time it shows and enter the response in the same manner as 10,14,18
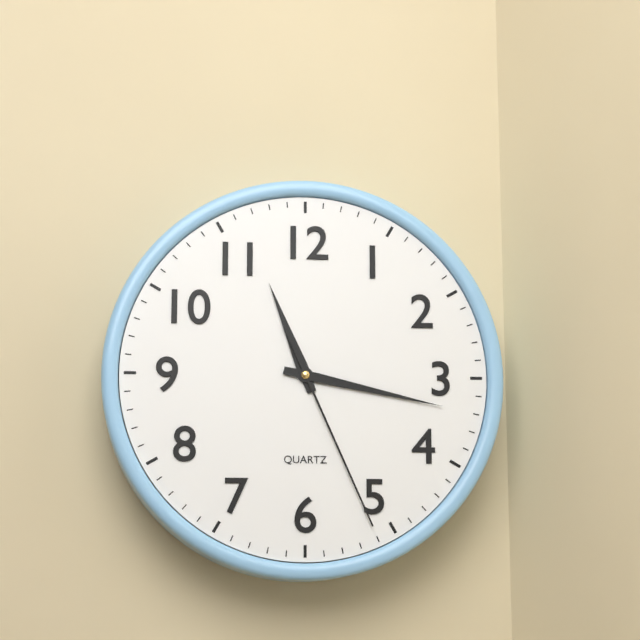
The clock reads 11,17,26
